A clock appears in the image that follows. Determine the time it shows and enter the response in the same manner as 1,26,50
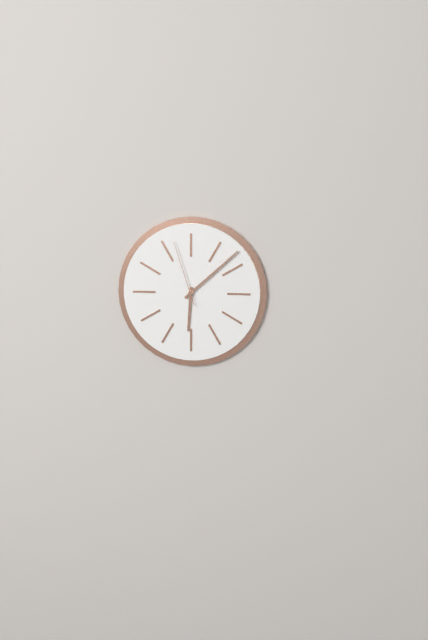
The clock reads 6,08,57
